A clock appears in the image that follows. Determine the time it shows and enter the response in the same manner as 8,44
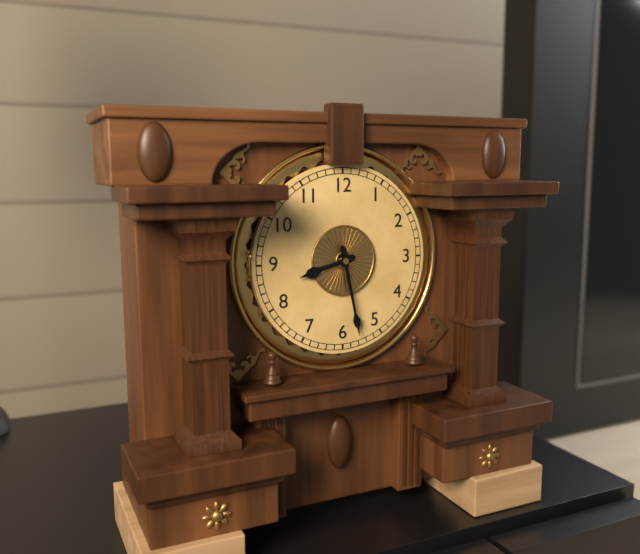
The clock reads 8,28
